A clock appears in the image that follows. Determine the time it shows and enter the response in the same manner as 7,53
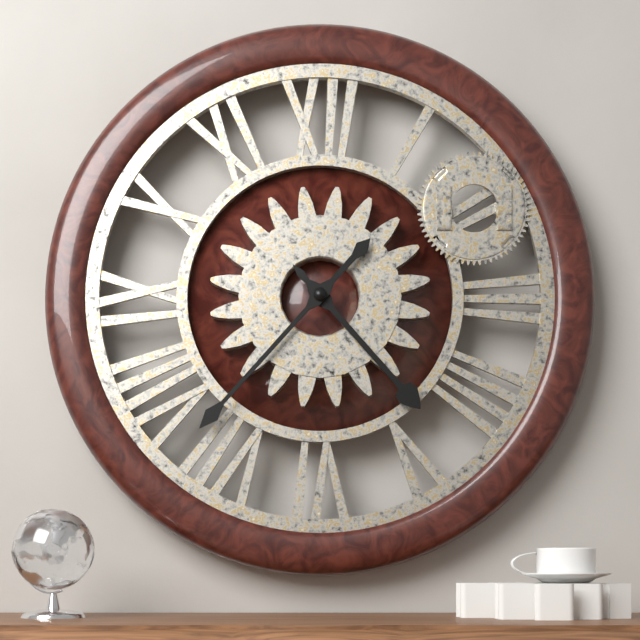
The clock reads 4,37
